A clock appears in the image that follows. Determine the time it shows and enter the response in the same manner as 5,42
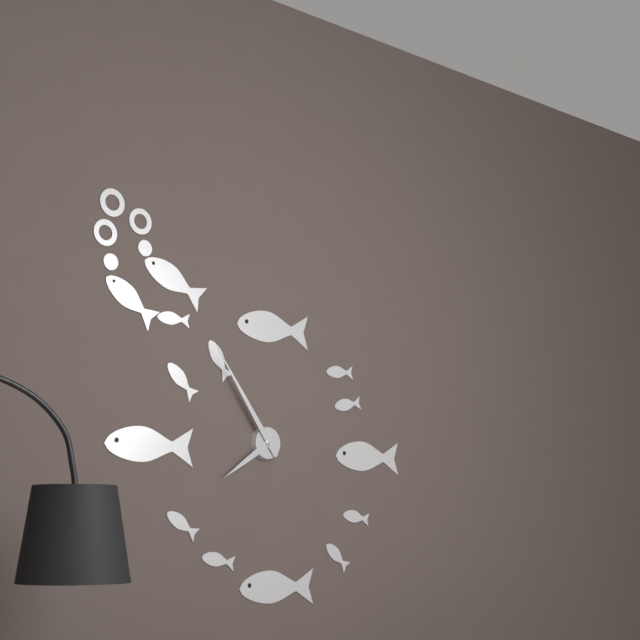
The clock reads 7,54
